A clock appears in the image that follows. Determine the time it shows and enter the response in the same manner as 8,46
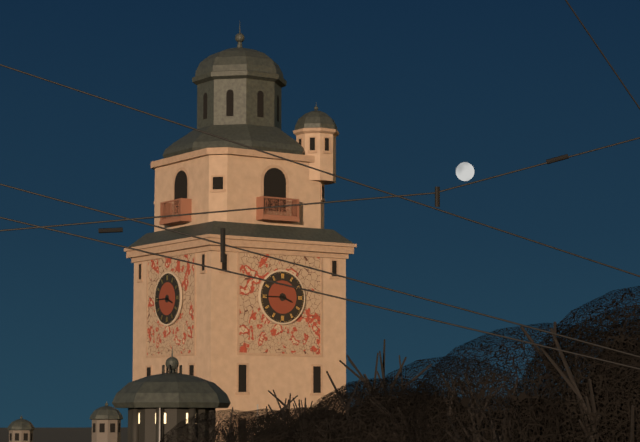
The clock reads 3,45
